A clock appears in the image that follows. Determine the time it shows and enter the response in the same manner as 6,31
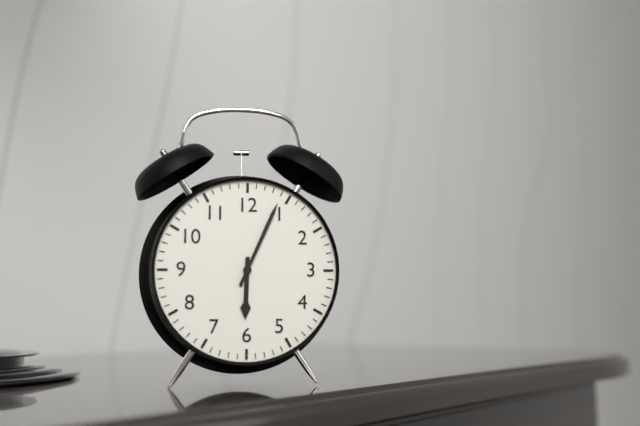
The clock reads 6,04
